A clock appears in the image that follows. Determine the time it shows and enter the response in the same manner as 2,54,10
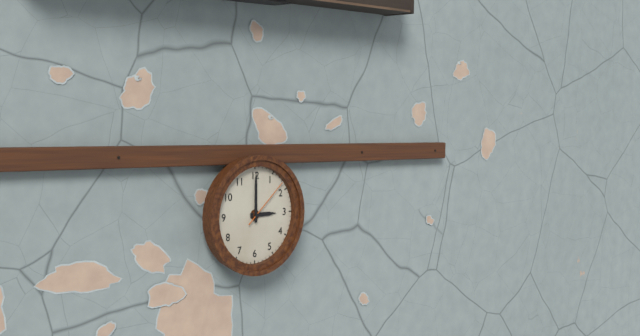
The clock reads 3,00,08
